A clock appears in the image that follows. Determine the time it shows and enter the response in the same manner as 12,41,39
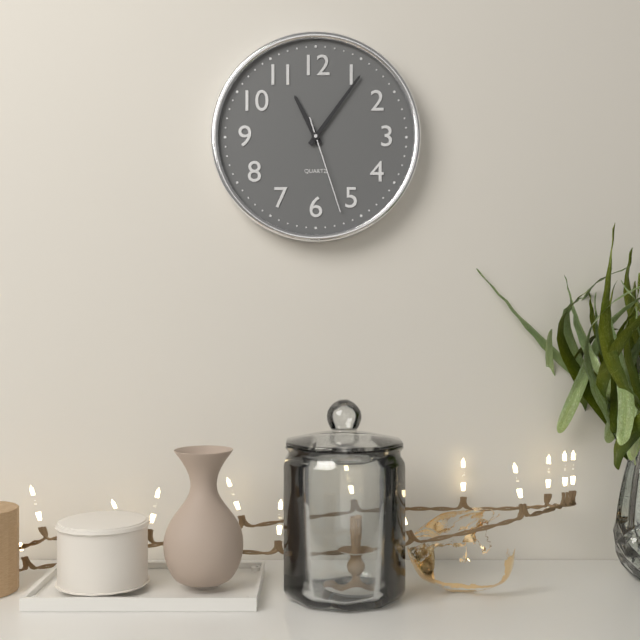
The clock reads 11,06,27
